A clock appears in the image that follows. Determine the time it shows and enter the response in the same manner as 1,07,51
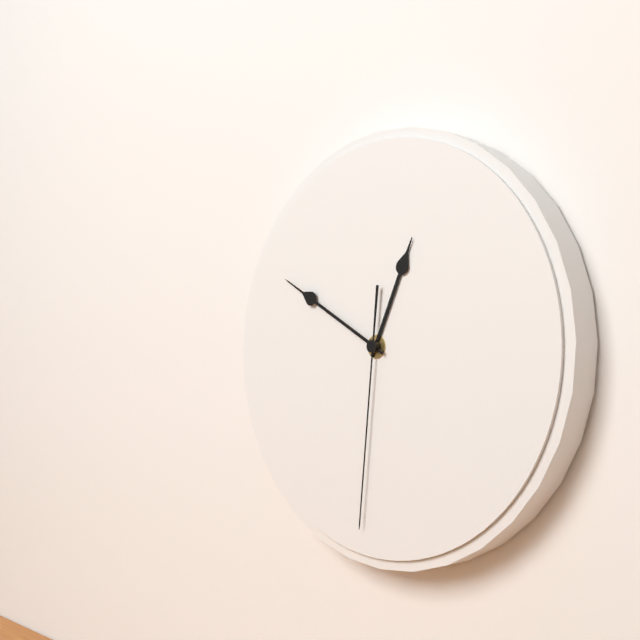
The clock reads 12,50,31
